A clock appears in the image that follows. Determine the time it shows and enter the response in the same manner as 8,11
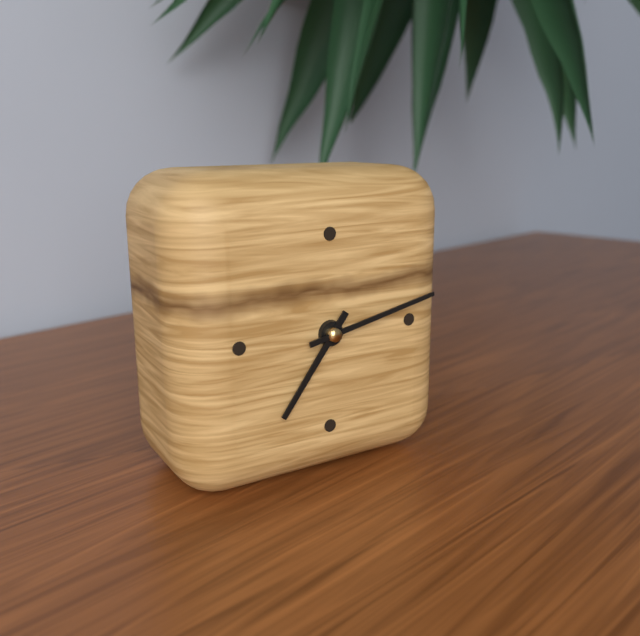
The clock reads 7,13
